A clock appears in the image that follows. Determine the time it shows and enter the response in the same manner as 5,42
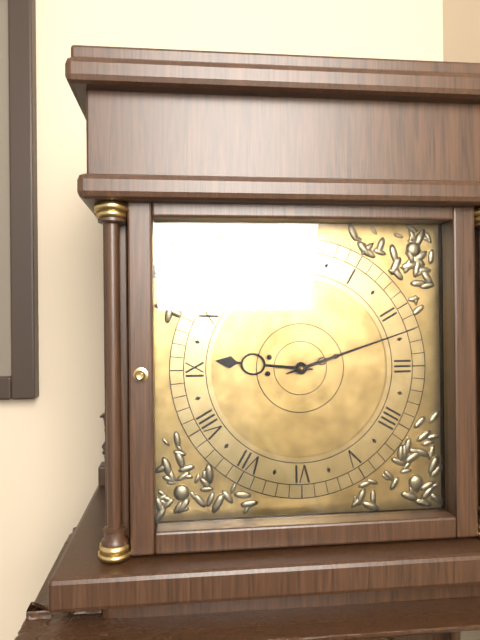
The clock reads 9,12
